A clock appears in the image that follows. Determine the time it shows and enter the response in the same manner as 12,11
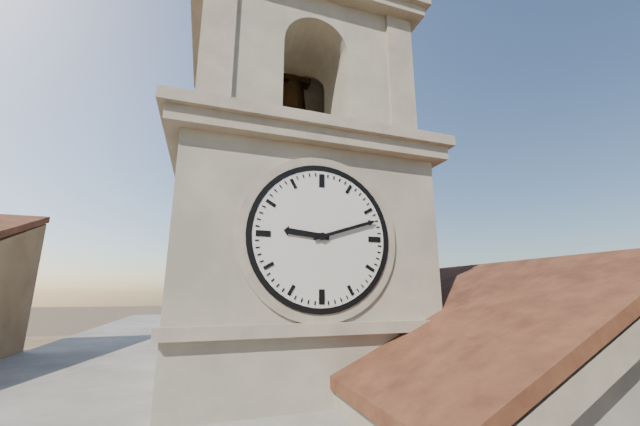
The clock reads 9,12
